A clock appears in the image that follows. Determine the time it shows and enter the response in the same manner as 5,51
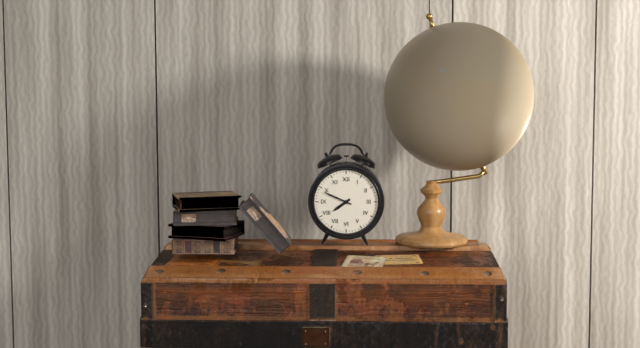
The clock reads 7,49
